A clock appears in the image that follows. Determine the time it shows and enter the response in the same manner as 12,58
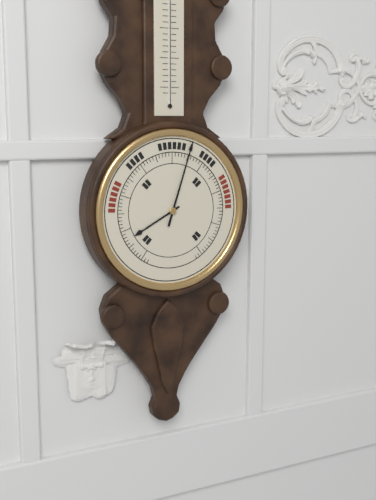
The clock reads 8,03
